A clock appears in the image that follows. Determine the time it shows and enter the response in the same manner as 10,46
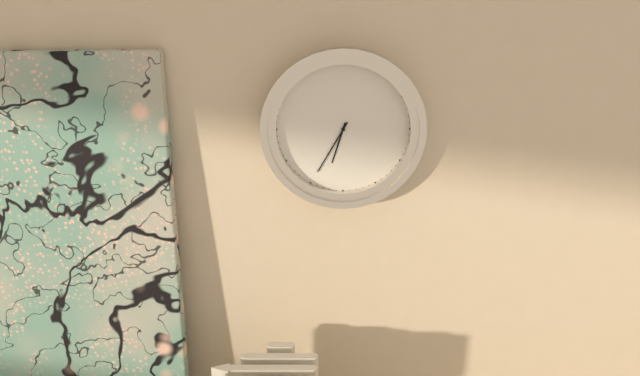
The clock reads 6,35
